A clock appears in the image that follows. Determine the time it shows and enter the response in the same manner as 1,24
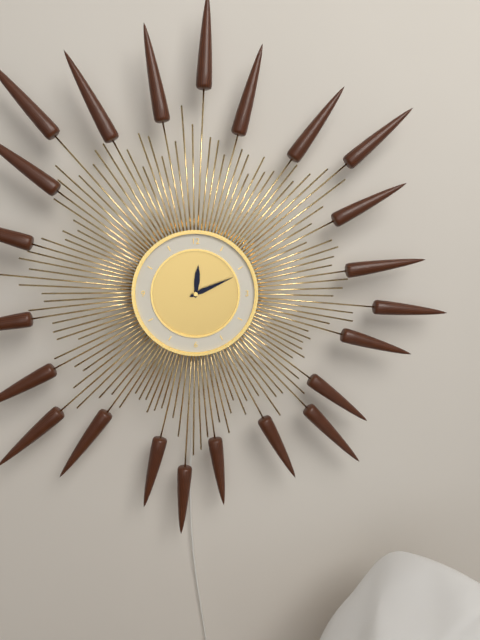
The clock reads 12,11
